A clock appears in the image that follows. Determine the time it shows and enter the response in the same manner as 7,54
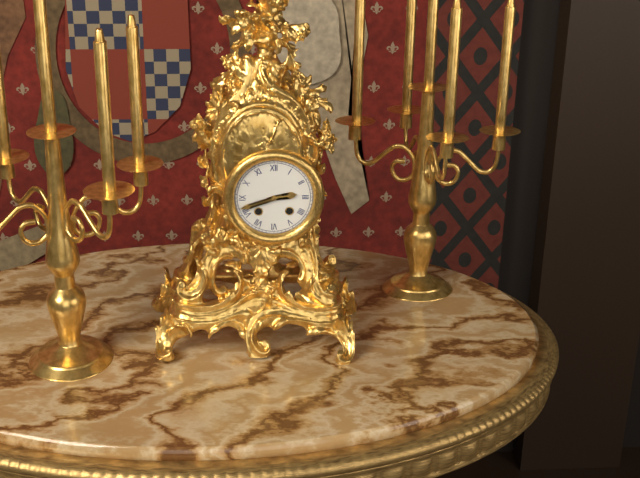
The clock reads 2,42
